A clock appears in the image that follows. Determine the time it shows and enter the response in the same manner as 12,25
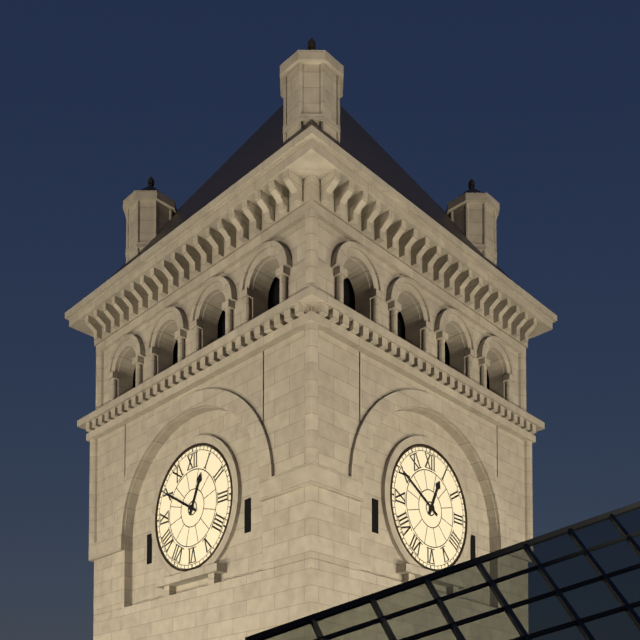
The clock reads 12,50
